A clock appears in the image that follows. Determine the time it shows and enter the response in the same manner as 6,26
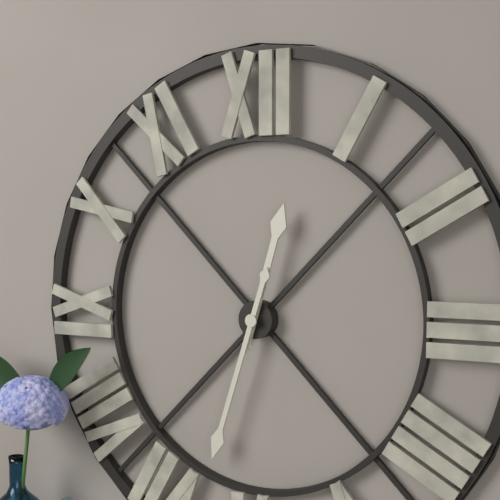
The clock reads 12,33
